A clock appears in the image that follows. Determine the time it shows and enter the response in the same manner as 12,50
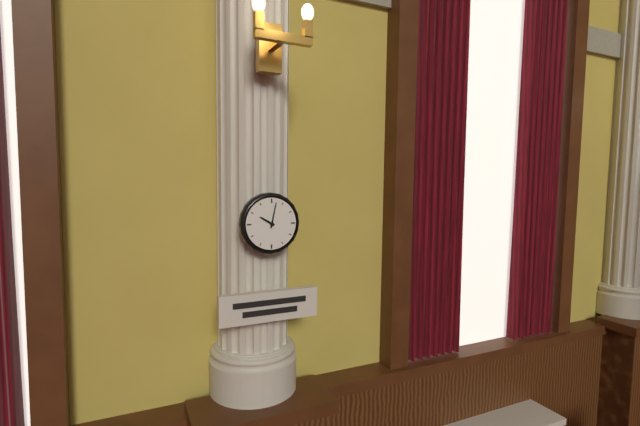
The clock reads 10,02
